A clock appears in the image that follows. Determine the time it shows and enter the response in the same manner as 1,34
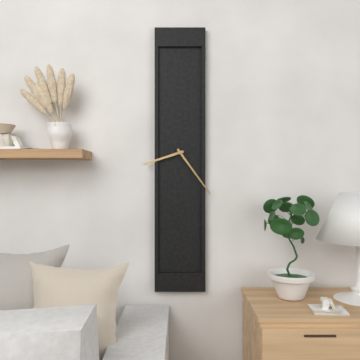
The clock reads 8,24
